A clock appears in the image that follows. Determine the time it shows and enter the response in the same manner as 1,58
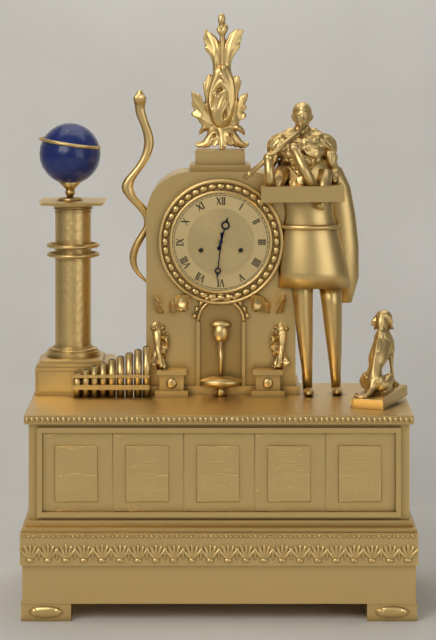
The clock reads 12,31
